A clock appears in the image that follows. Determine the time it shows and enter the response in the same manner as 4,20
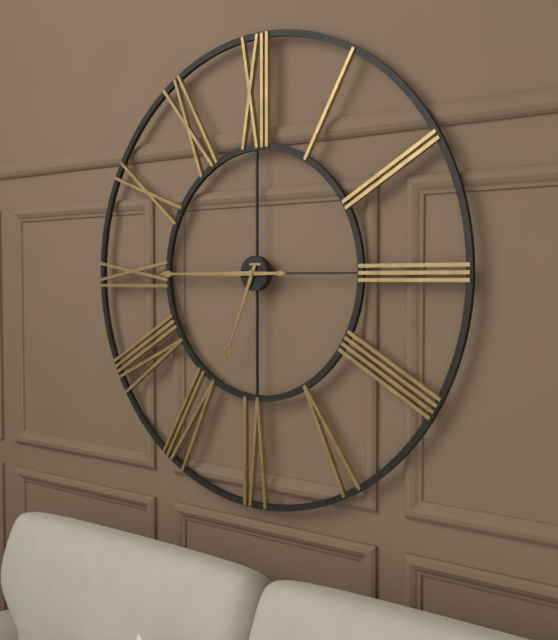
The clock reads 6,45
